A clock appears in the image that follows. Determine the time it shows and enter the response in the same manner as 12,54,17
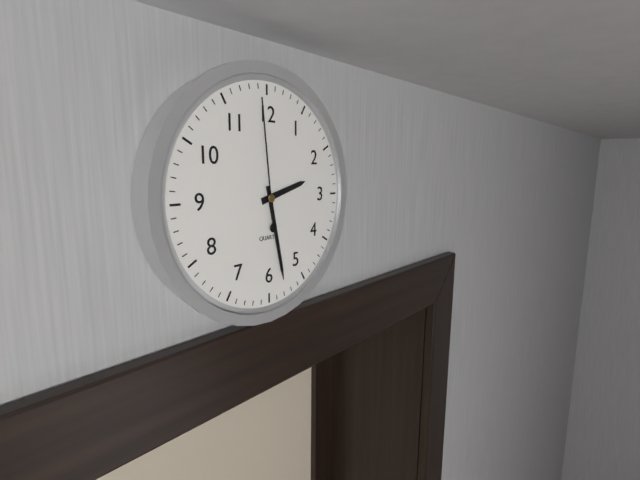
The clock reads 2,28,59
